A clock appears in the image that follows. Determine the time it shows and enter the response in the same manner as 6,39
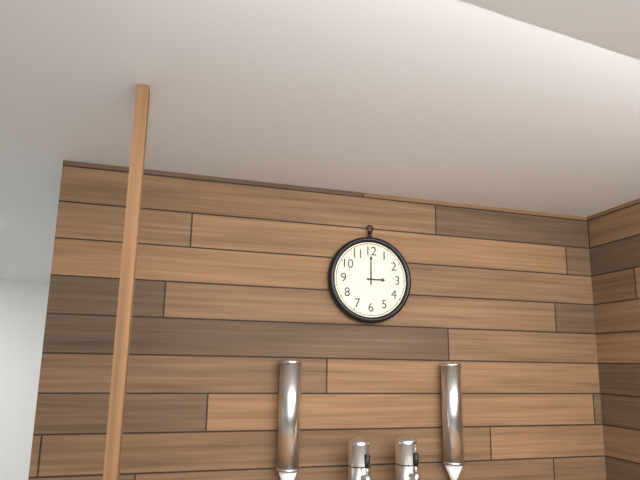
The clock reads 3,00
